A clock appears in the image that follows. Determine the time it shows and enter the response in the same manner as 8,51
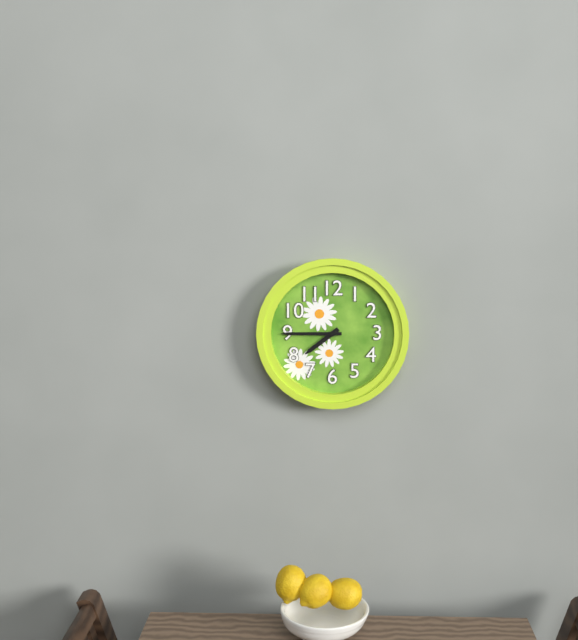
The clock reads 7,45
